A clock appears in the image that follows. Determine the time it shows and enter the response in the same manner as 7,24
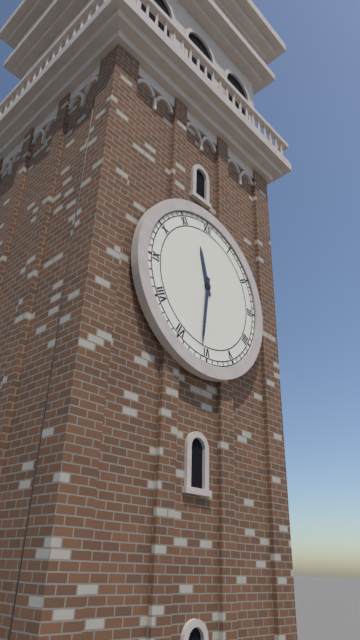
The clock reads 11,31
